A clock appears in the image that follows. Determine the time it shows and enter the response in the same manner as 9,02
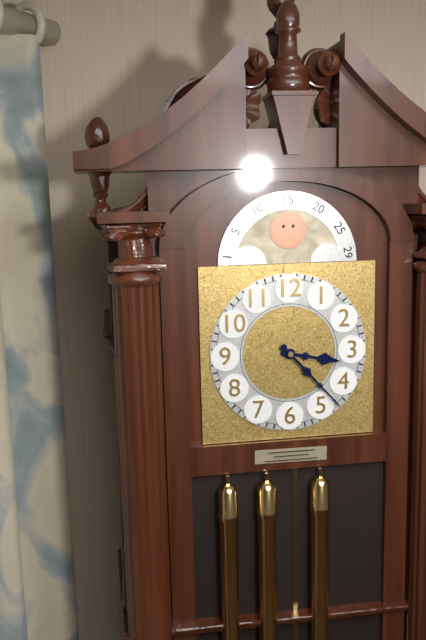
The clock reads 3,23
